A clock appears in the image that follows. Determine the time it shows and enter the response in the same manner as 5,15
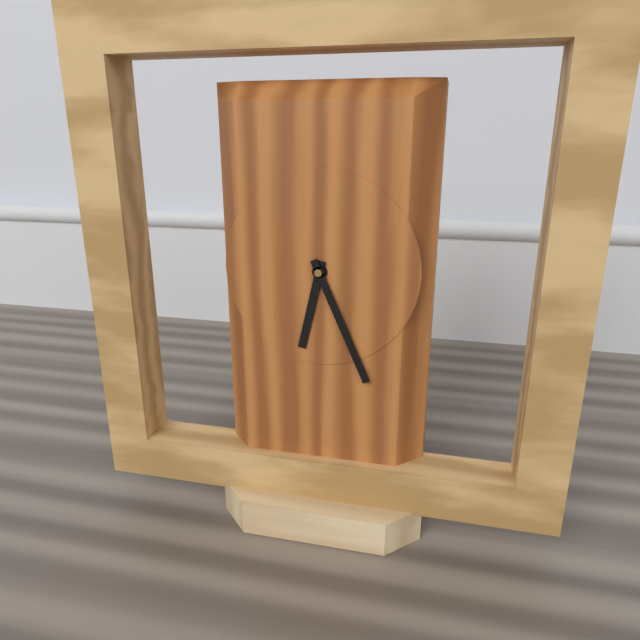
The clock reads 6,26
